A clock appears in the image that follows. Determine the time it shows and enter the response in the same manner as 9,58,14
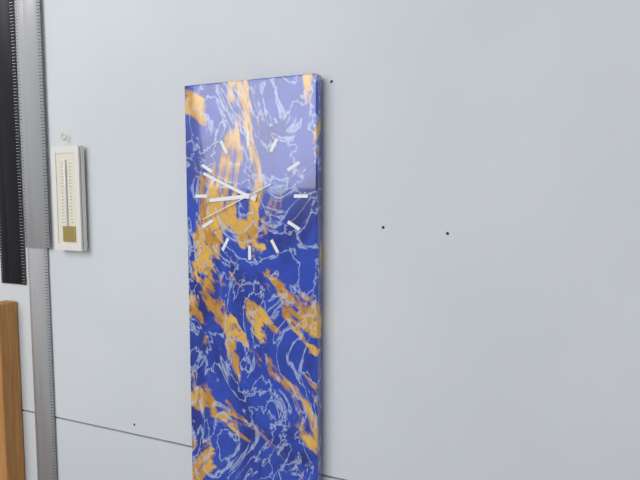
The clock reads 8,49,41
